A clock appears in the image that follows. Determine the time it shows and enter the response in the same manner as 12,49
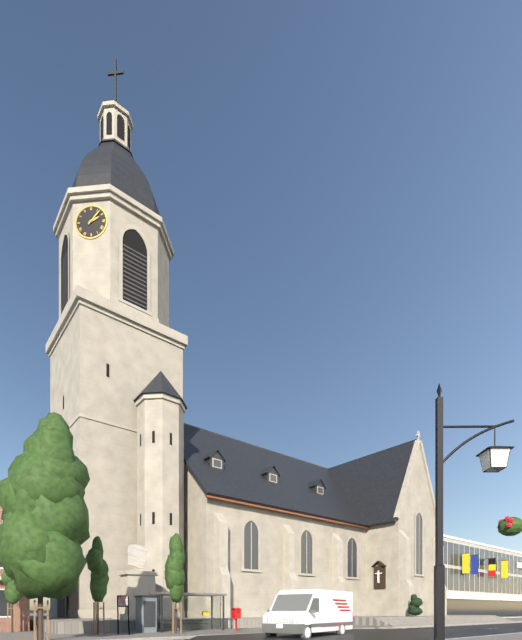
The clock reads 2,07
